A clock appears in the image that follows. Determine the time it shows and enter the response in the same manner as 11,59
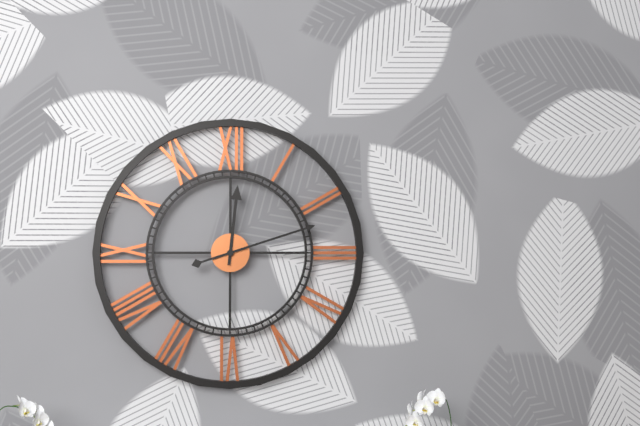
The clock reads 12,12
